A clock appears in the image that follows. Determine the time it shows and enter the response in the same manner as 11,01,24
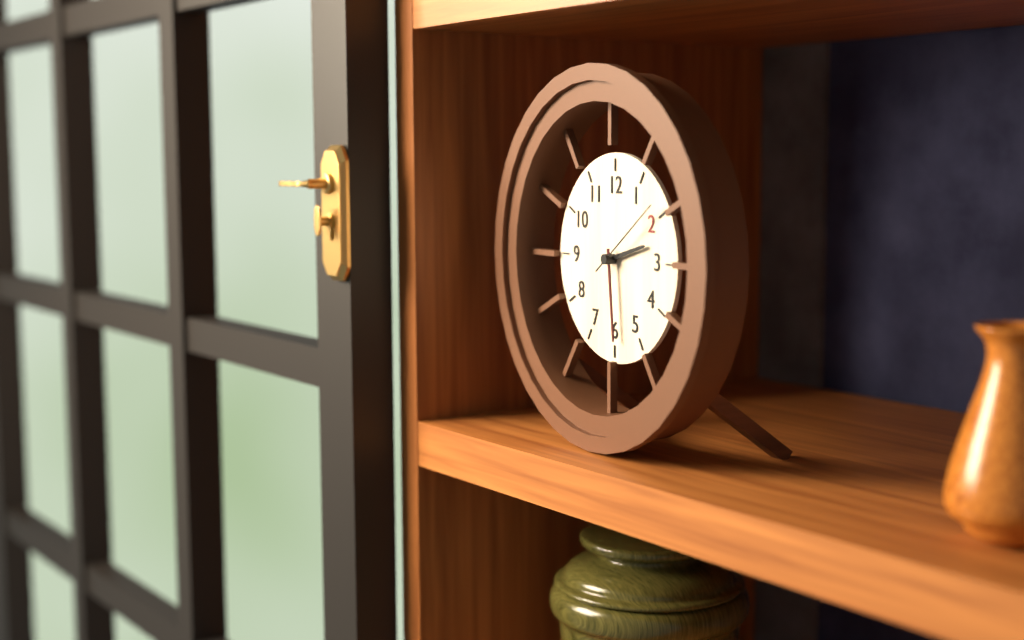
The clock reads 2,29,09
